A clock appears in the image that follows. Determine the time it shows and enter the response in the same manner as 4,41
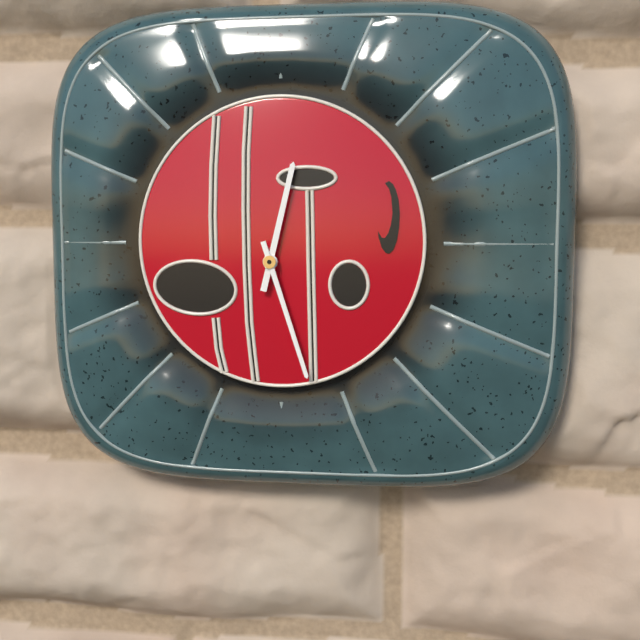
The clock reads 12,27
